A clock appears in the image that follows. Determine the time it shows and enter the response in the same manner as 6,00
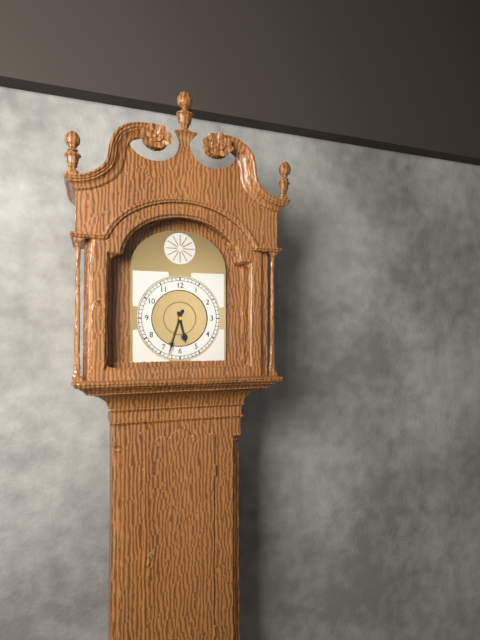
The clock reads 5,33
